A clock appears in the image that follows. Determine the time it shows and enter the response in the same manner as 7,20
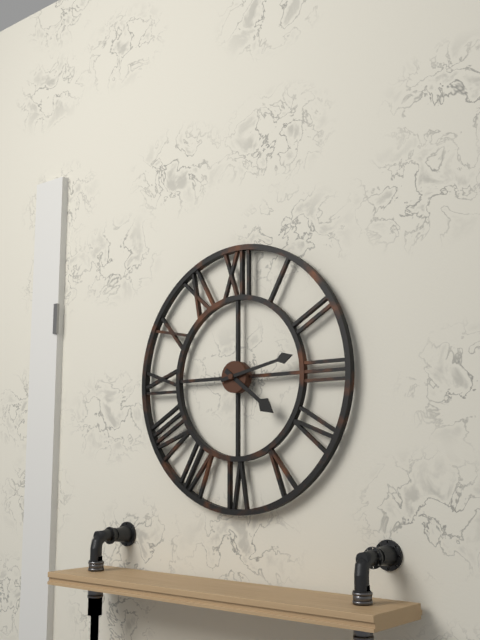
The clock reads 4,13
